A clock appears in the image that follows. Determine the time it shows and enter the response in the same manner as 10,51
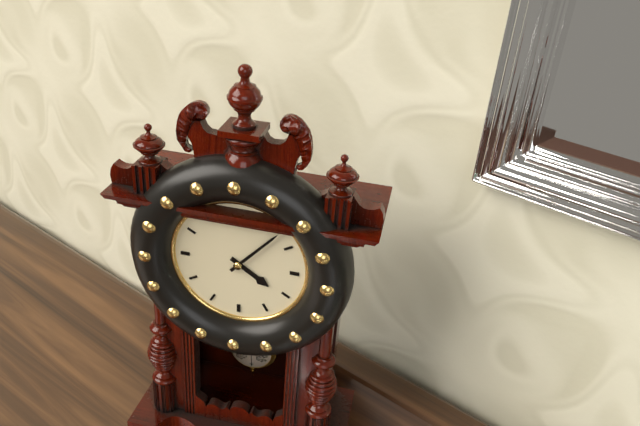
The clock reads 4,07
